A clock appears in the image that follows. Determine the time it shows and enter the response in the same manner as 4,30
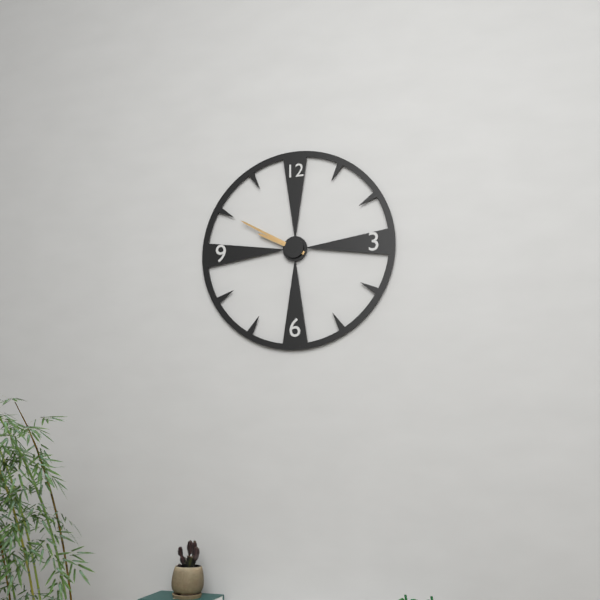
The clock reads 9,50
